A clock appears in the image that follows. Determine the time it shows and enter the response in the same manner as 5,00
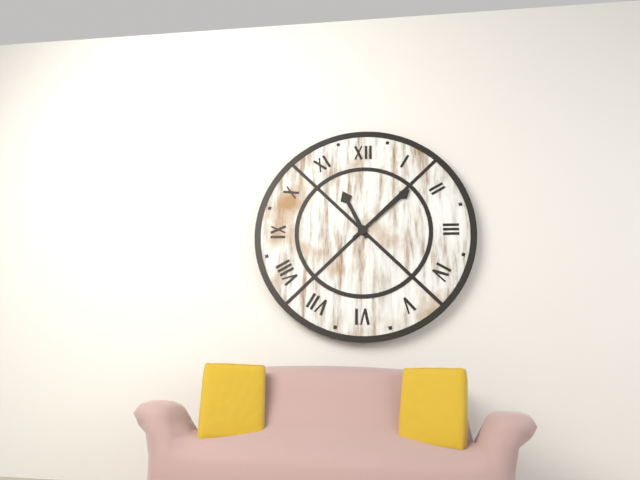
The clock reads 11,08
